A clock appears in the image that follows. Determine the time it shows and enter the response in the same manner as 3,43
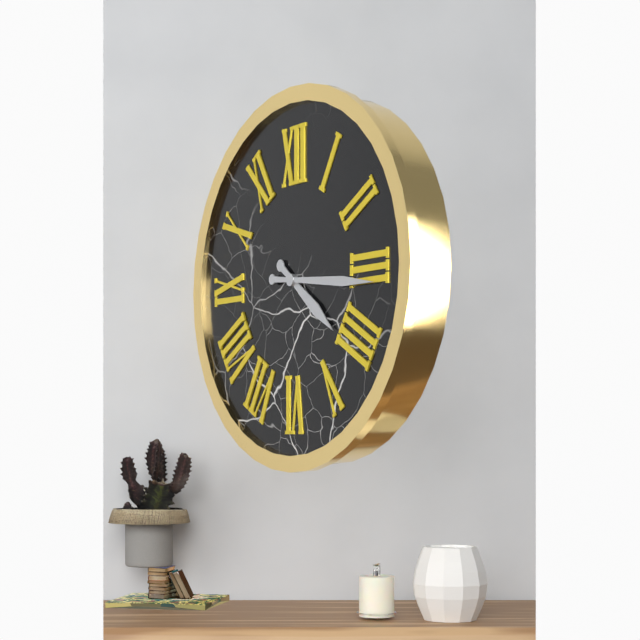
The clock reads 4,16
